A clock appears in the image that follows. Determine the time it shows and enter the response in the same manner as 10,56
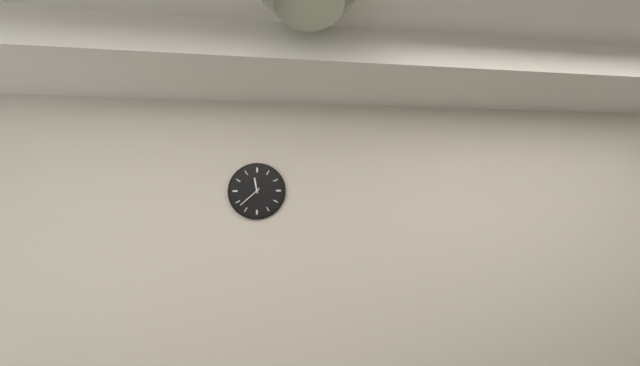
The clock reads 11,38
